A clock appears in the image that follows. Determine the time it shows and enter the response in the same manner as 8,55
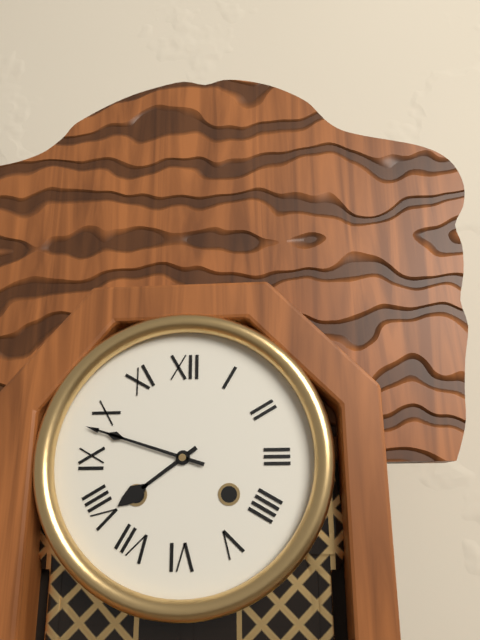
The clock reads 7,48
